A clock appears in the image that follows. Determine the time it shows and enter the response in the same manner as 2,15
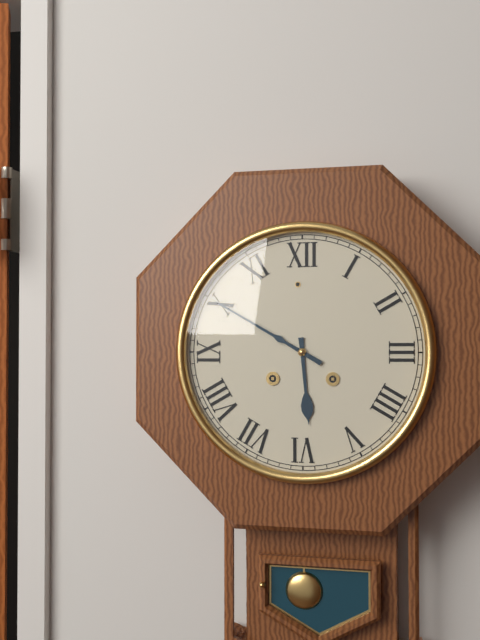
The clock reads 5,50
